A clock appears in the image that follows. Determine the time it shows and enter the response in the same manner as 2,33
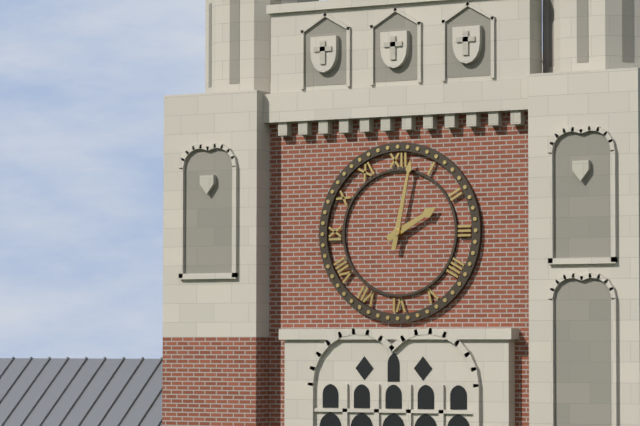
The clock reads 2,02
